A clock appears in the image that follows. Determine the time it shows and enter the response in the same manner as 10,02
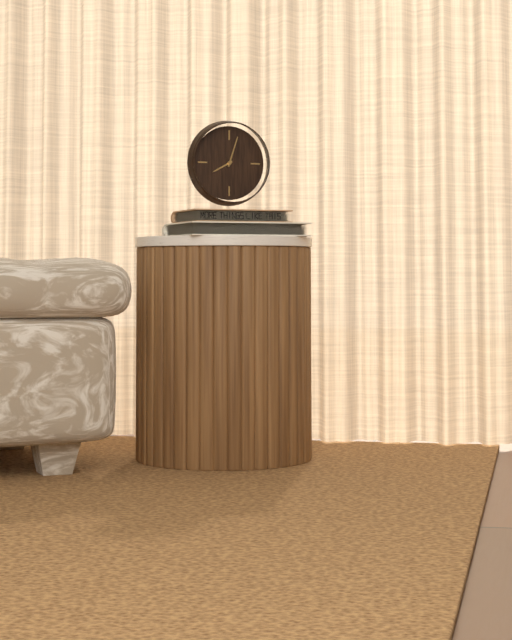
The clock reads 8,03
